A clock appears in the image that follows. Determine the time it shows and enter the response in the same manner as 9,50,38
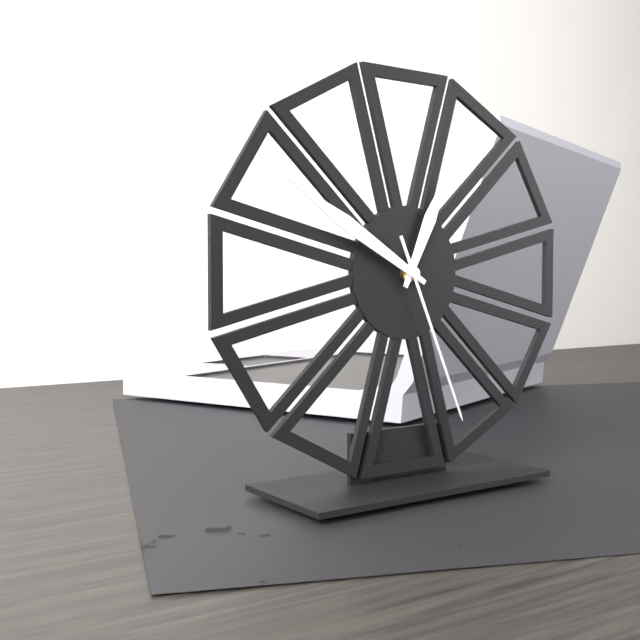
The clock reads 12,50,26
